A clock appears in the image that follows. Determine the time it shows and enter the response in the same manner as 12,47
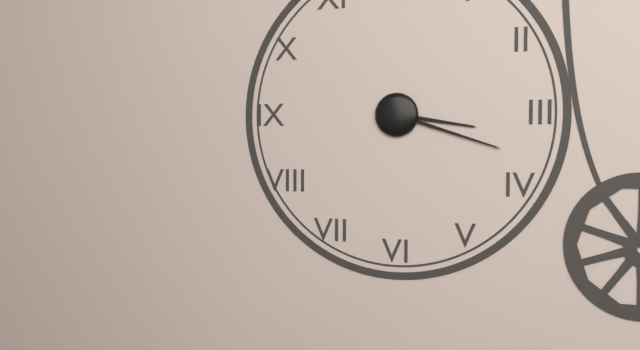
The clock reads 3,18
